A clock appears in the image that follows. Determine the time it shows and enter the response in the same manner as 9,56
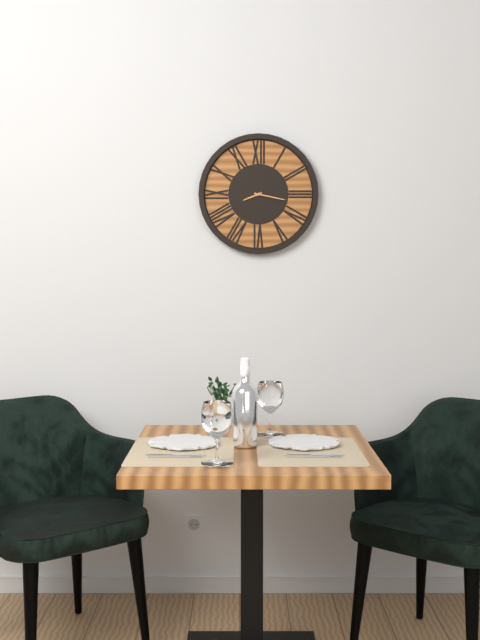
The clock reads 8,17
